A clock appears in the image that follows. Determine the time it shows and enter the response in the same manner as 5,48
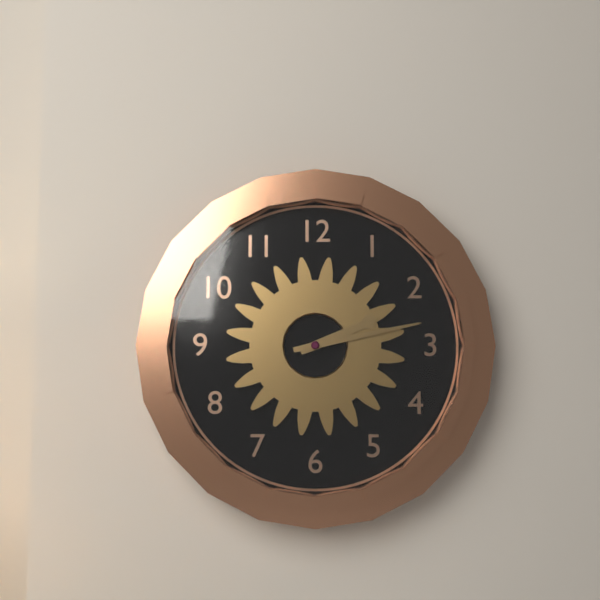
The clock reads 2,13
